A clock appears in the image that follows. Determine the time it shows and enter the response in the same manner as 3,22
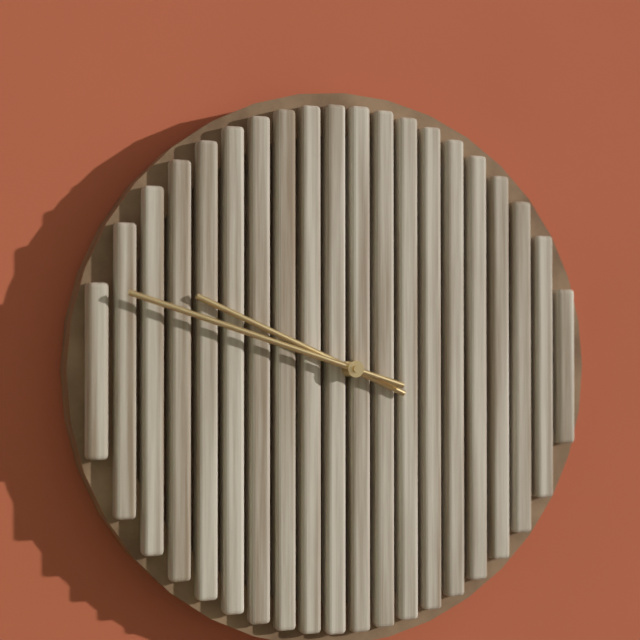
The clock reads 9,48
